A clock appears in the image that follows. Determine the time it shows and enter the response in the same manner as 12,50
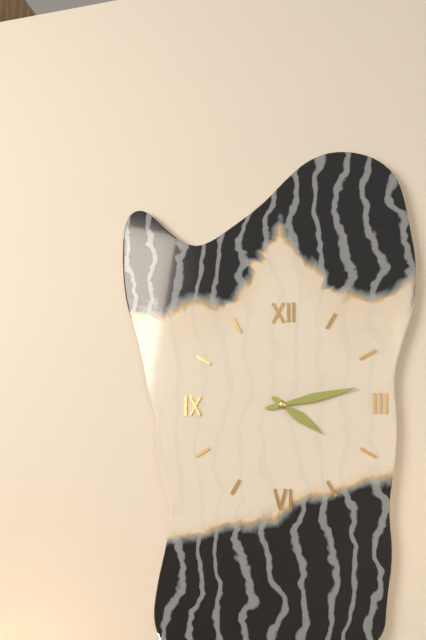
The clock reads 4,13
